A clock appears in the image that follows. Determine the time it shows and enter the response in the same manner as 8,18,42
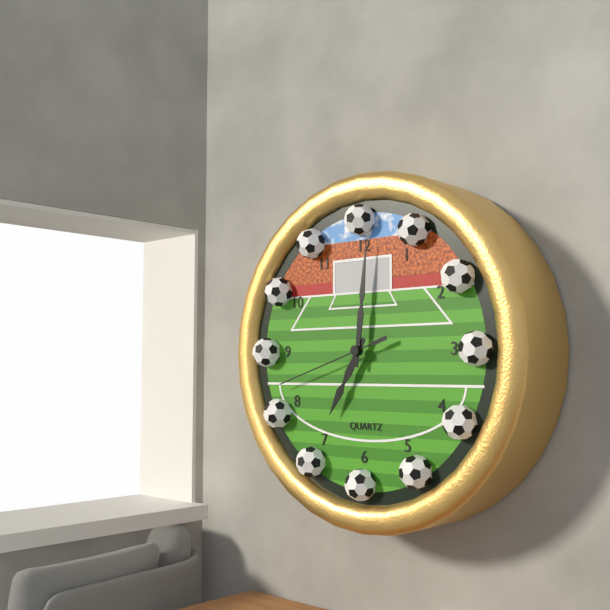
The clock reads 7,01,42
